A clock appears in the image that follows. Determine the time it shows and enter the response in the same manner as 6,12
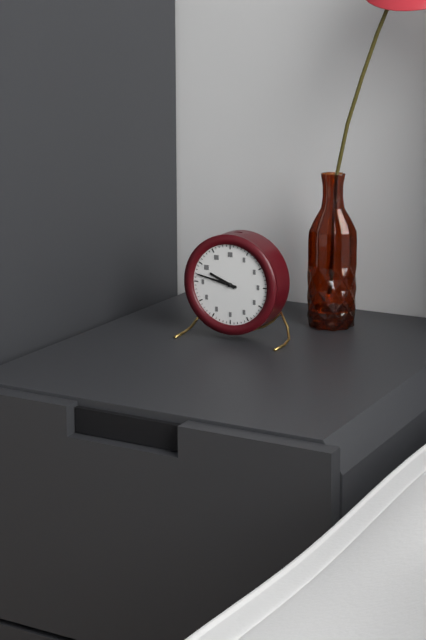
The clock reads 9,47
